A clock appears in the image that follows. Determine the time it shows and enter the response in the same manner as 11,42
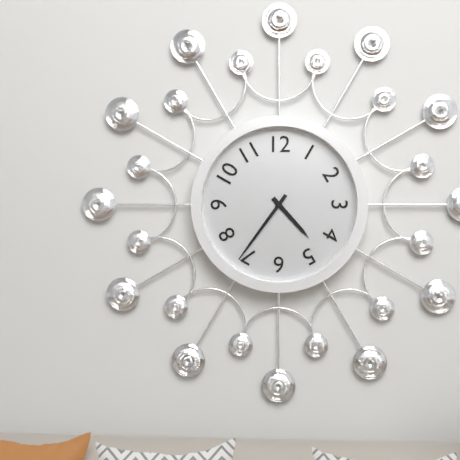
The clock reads 4,36
